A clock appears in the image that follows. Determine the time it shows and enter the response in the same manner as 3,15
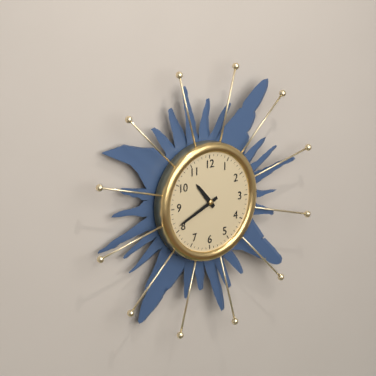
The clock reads 10,41
